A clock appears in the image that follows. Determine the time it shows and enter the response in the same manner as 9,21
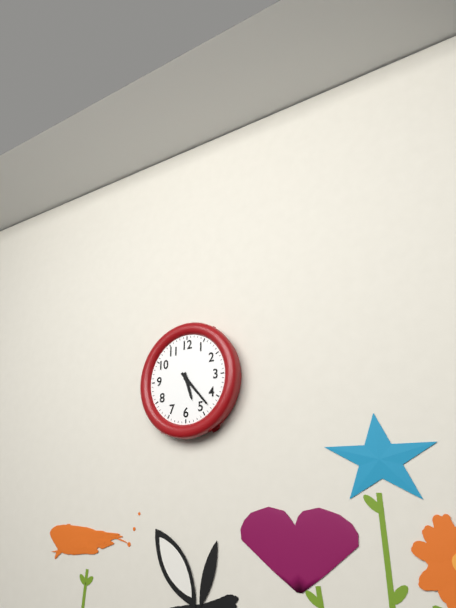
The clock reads 5,23
